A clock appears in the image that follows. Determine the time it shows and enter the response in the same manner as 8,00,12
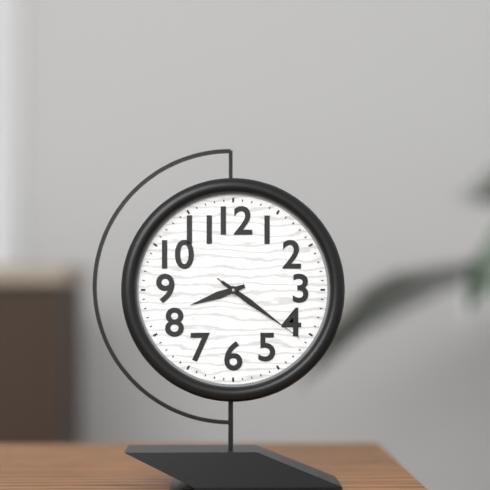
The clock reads 8,21,21
